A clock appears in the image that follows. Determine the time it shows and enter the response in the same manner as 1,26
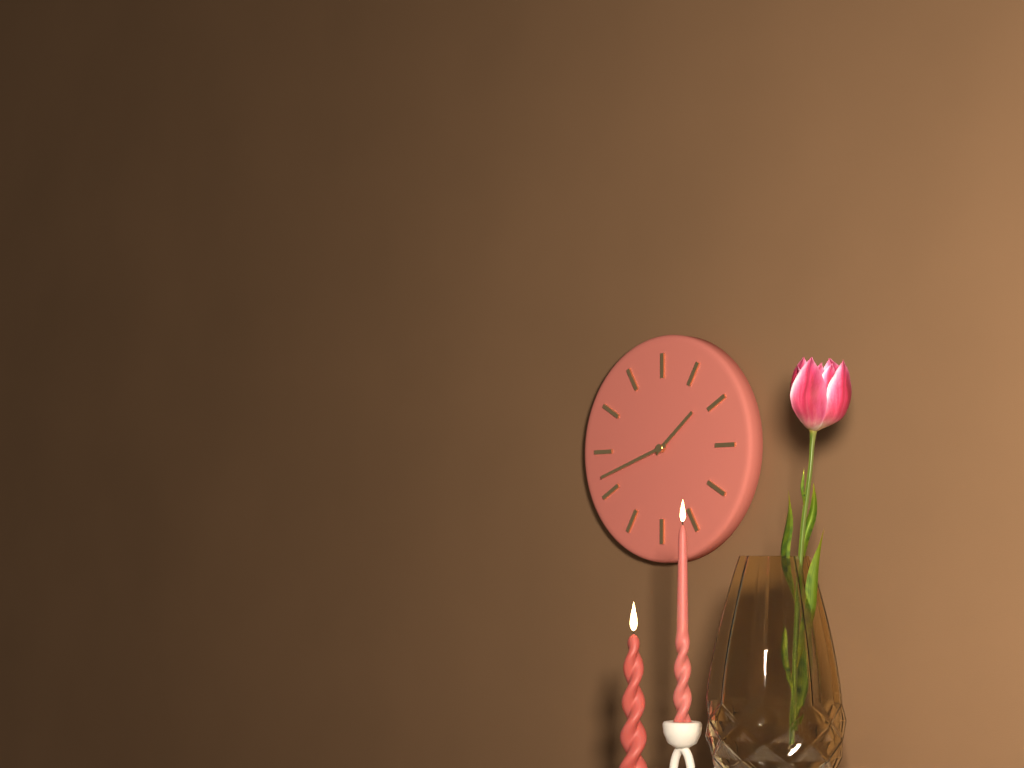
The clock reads 1,42
